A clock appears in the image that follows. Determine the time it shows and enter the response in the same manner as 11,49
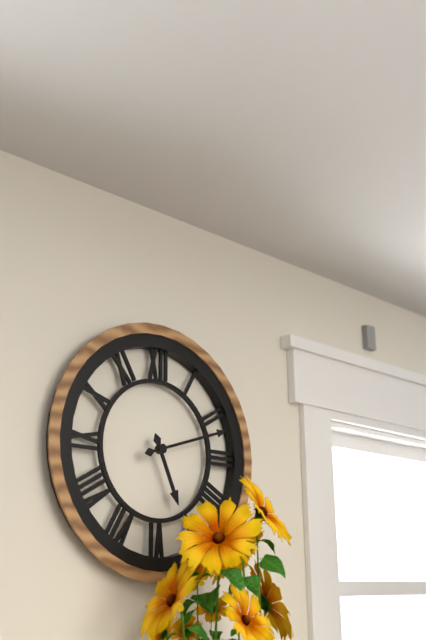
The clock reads 5,12
